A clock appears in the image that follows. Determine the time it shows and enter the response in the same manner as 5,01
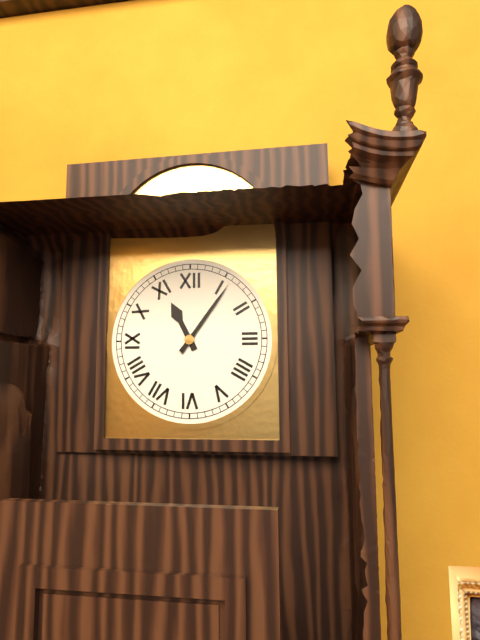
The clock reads 11,06
